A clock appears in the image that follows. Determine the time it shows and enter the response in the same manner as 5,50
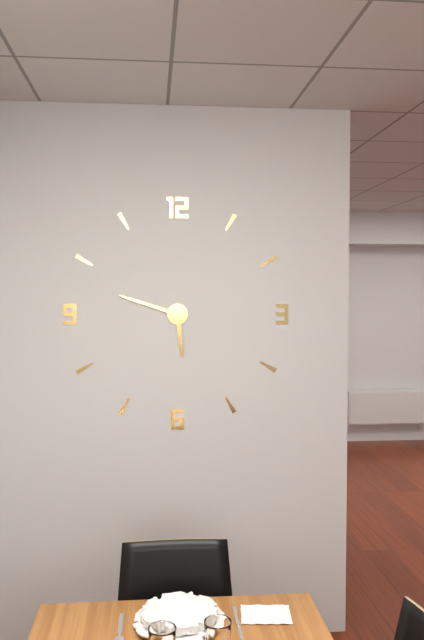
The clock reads 5,48
